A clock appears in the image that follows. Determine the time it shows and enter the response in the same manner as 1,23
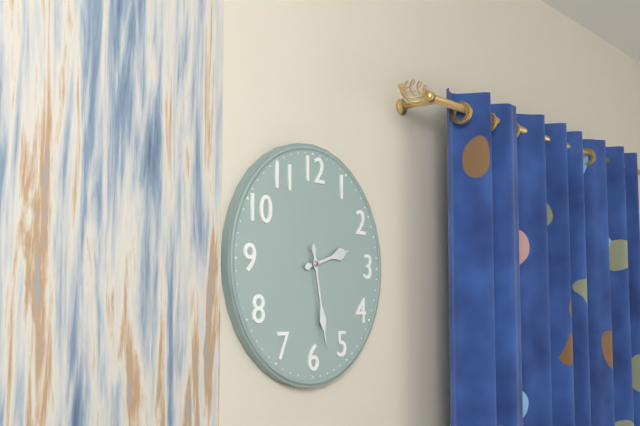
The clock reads 2,28
